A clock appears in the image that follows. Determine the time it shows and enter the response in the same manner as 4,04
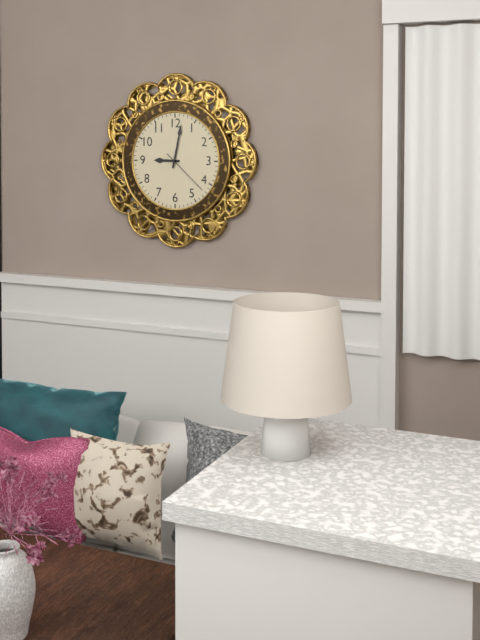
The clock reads 9,02
